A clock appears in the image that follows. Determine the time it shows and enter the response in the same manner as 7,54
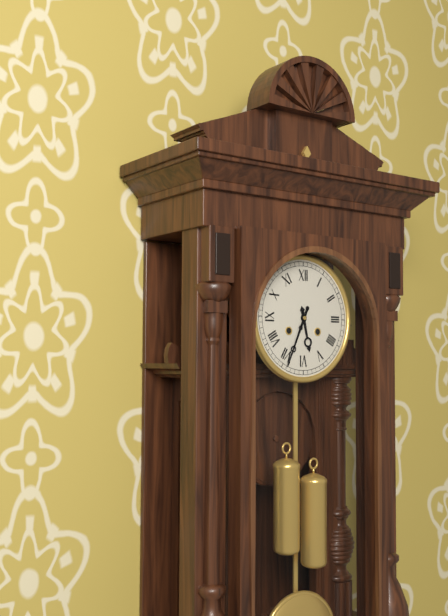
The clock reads 5,34
